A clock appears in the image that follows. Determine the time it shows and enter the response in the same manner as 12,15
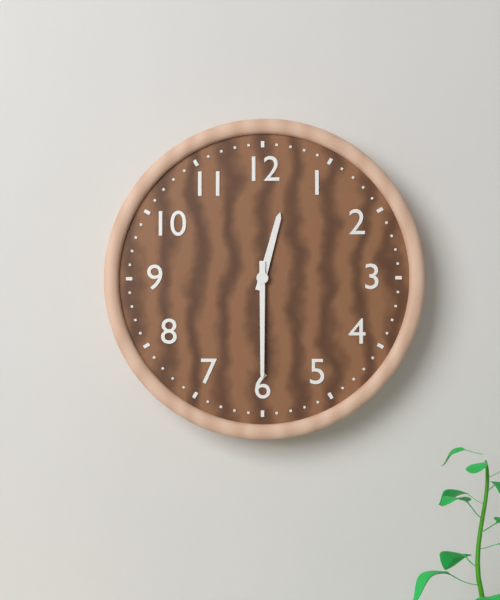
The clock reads 12,30
